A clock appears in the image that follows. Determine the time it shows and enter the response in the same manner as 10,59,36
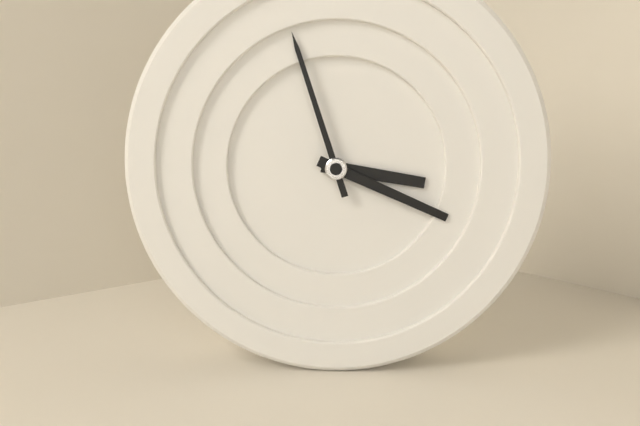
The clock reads 3,19,57
